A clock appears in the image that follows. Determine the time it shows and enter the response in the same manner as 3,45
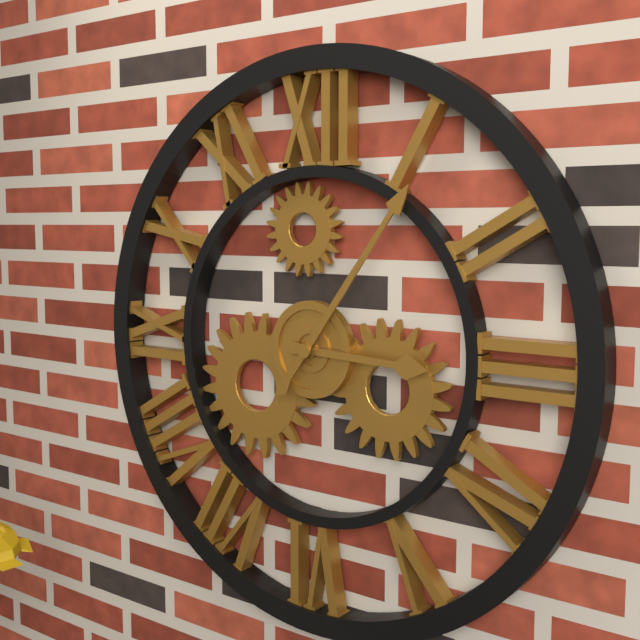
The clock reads 3,06
